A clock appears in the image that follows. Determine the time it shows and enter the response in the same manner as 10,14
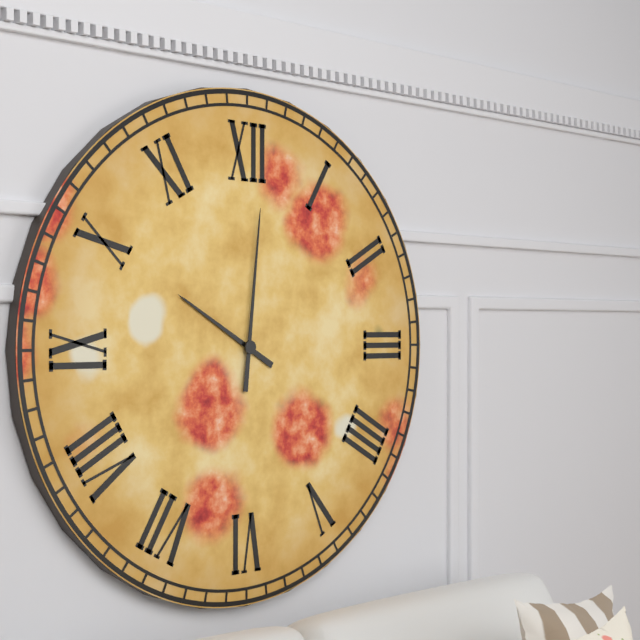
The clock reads 10,01
